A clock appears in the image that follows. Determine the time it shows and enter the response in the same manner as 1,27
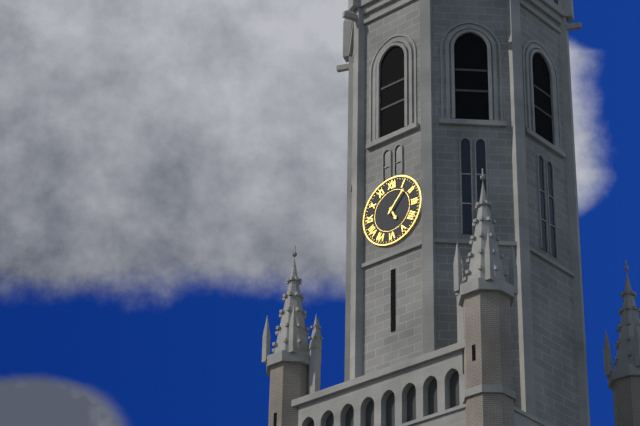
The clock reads 5,07
